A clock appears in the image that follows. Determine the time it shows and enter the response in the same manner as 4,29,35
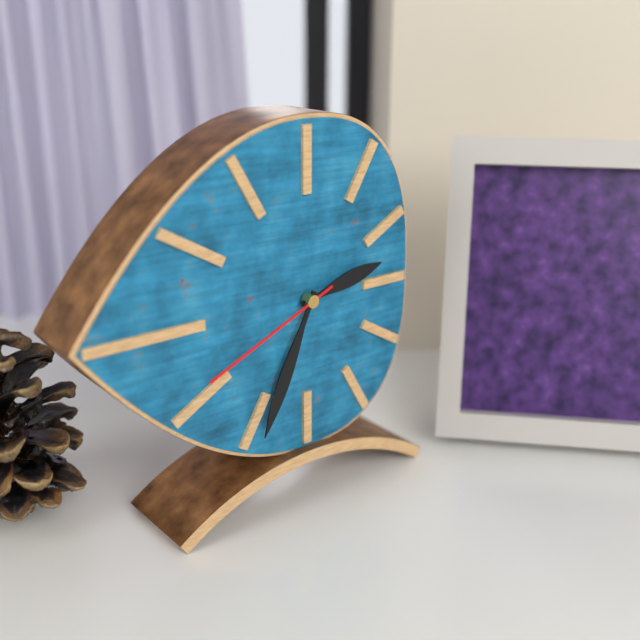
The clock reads 2,34,41
